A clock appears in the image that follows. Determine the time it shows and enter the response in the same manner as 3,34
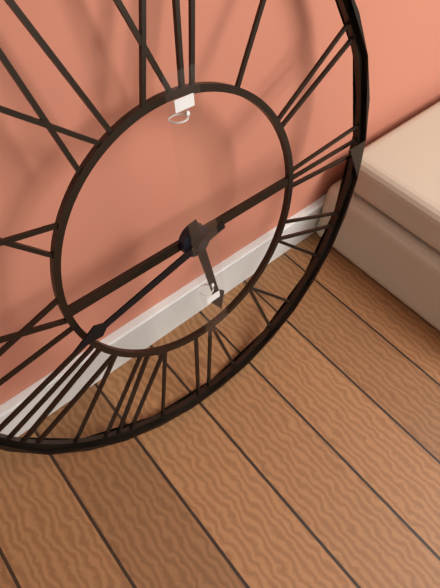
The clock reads 5,43
